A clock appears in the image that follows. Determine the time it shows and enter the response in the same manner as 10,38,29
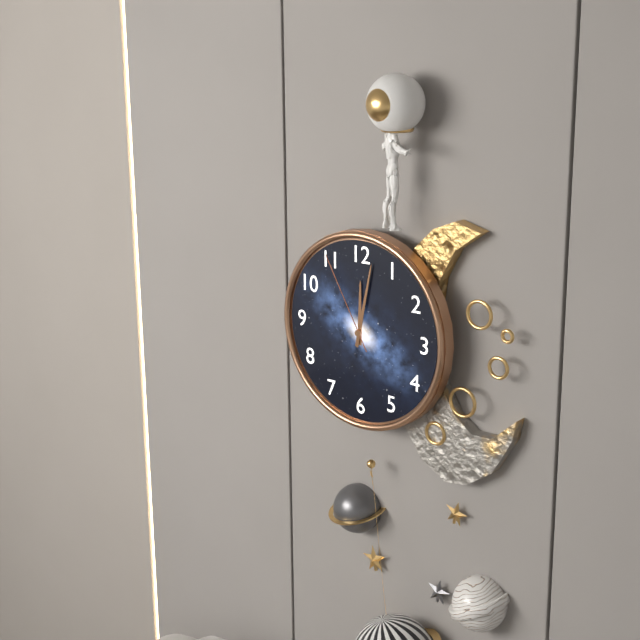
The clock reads 12,02,55
